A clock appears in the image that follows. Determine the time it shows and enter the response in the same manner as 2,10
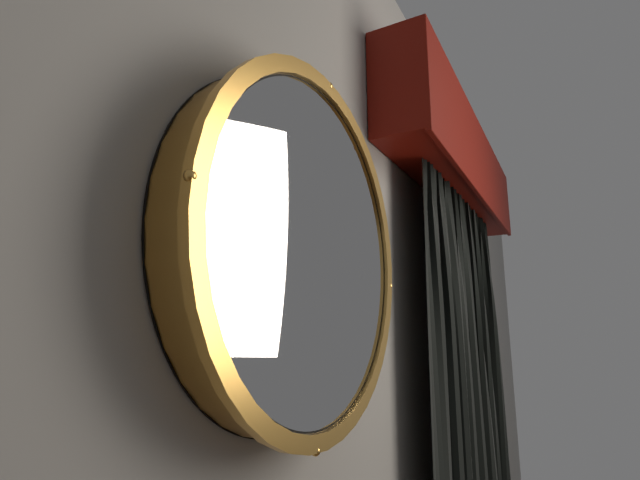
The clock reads 12,08
